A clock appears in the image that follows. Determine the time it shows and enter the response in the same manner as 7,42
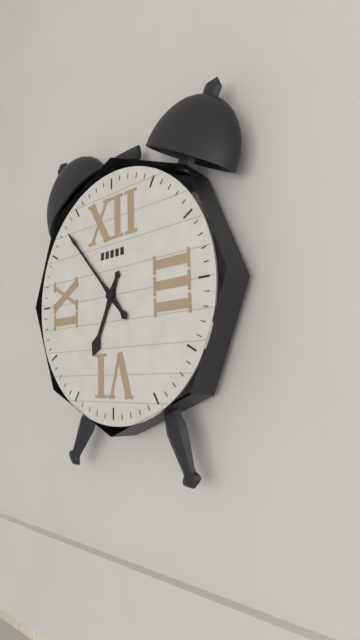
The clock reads 6,53
